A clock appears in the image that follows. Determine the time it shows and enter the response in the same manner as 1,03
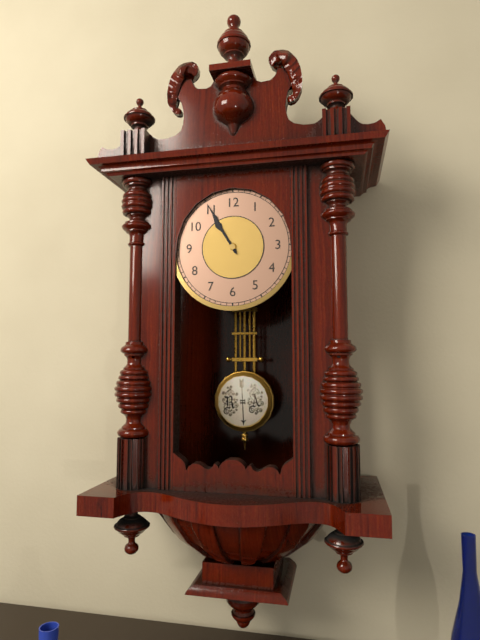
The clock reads 10,55
